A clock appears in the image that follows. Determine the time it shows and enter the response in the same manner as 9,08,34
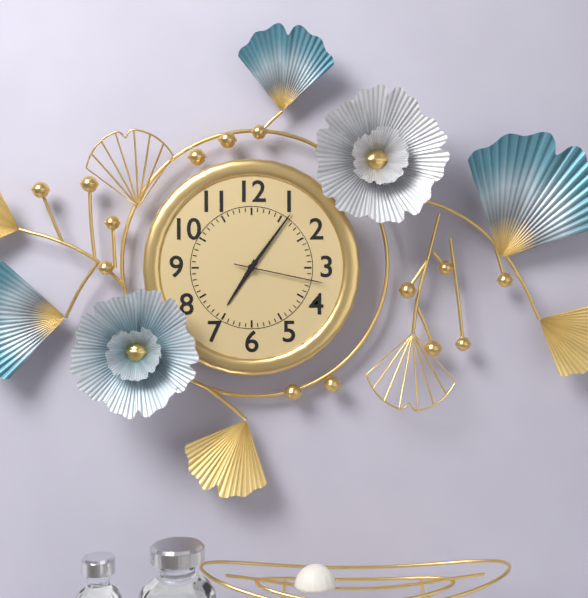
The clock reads 7,06,17
